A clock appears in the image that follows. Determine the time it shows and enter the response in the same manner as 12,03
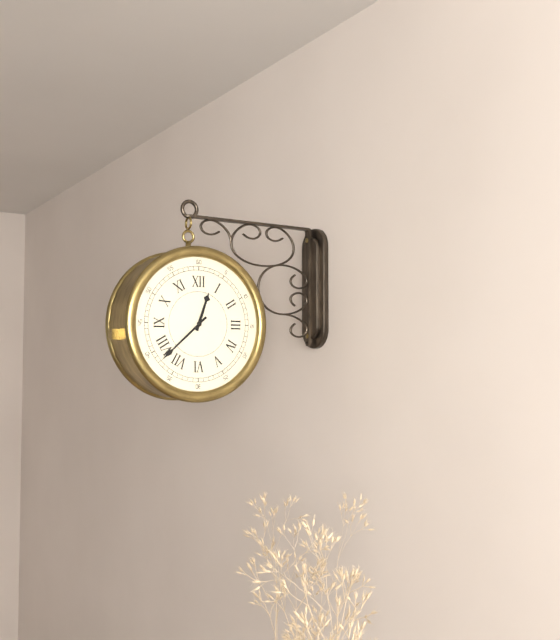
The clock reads 12,38
